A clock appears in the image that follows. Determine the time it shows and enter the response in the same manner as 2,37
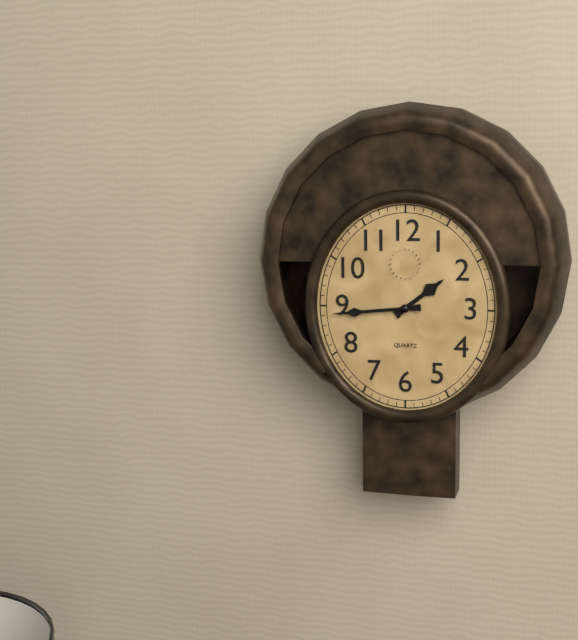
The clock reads 1,44
